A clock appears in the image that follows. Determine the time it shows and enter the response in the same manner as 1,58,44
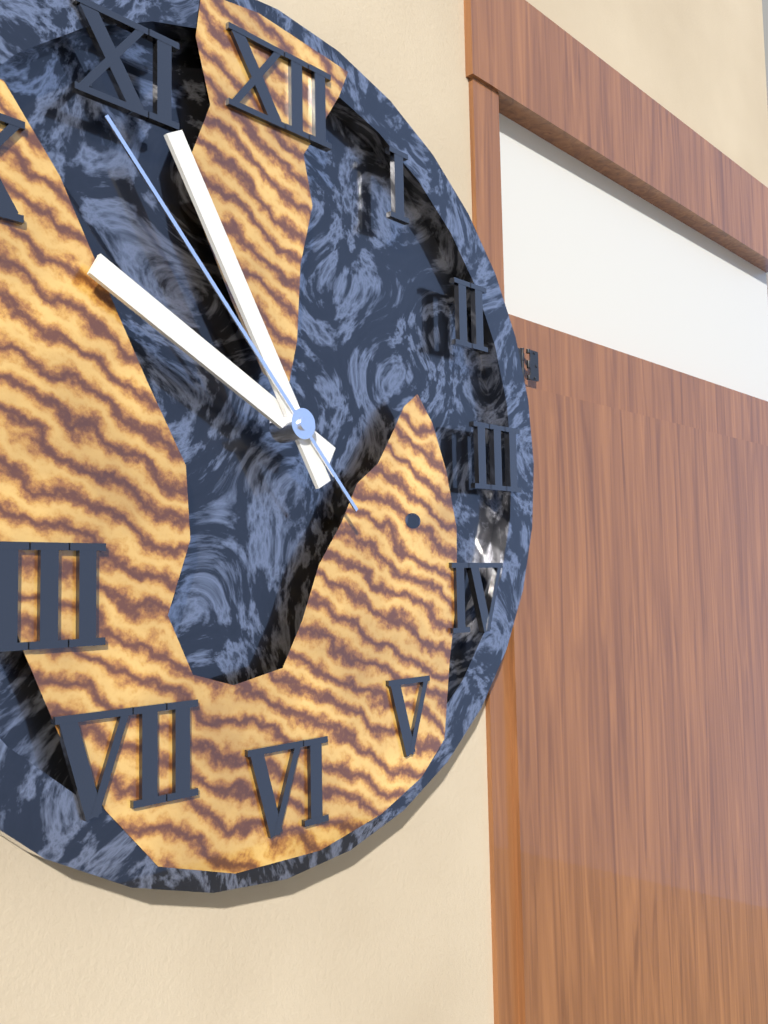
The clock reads 9,55,53
